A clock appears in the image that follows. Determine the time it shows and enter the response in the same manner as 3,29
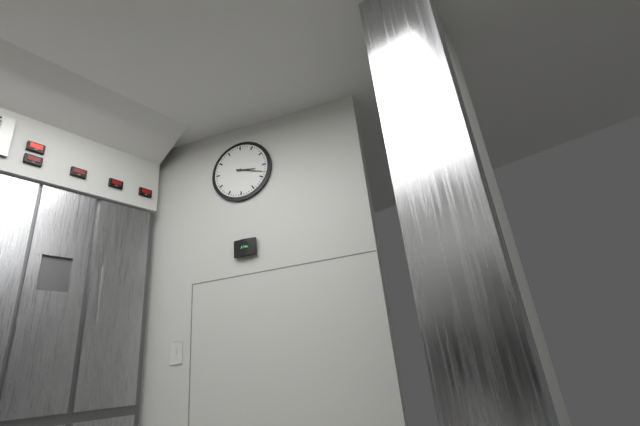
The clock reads 3,18
